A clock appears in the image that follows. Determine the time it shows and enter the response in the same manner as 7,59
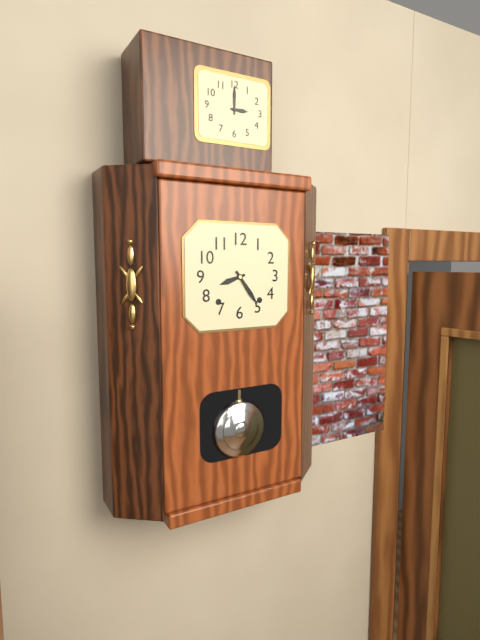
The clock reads 8,24
